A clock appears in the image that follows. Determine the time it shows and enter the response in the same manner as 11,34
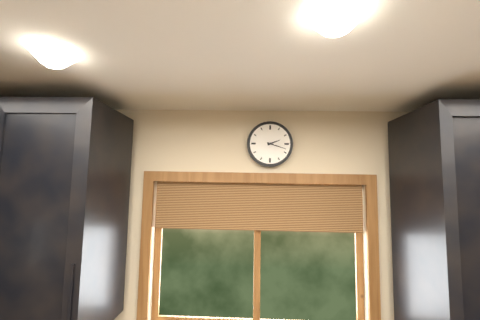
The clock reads 2,18
